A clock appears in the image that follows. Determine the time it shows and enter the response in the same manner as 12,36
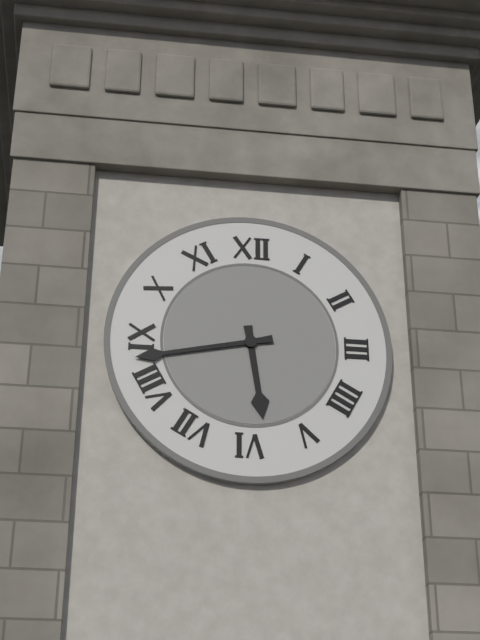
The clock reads 5,43
